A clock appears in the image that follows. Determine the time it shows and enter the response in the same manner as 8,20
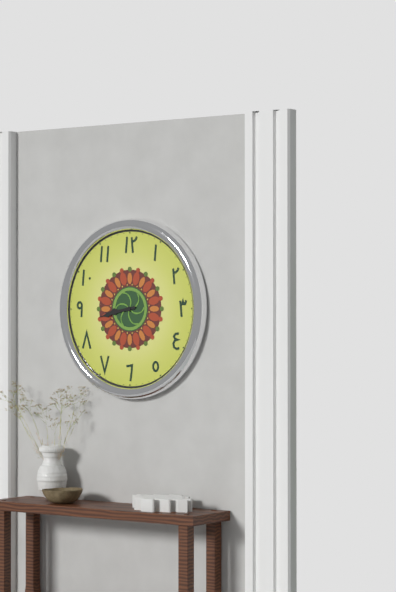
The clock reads 8,43
